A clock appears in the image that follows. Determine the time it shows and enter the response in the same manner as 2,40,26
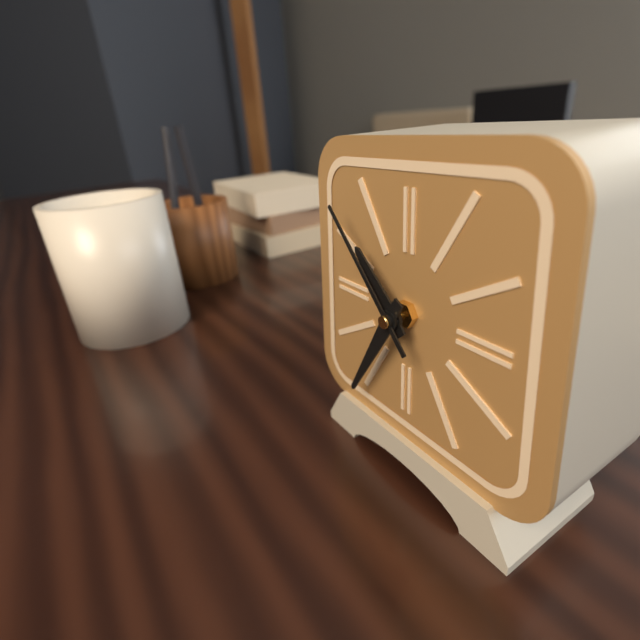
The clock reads 10,35,53
